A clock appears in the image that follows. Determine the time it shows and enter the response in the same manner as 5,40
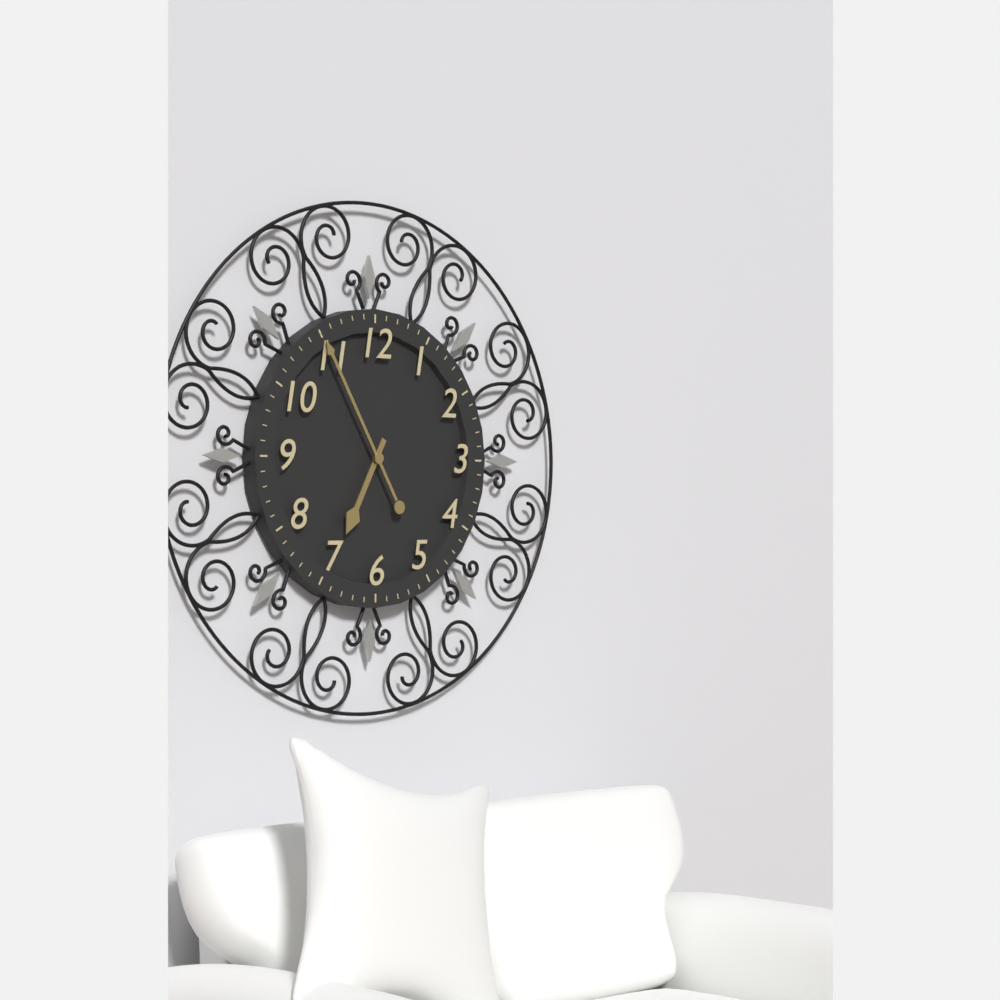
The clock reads 6,55
